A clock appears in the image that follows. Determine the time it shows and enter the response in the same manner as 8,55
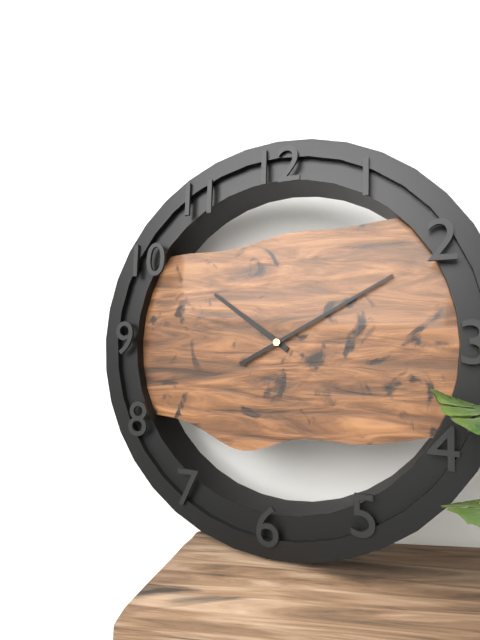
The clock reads 10,10
